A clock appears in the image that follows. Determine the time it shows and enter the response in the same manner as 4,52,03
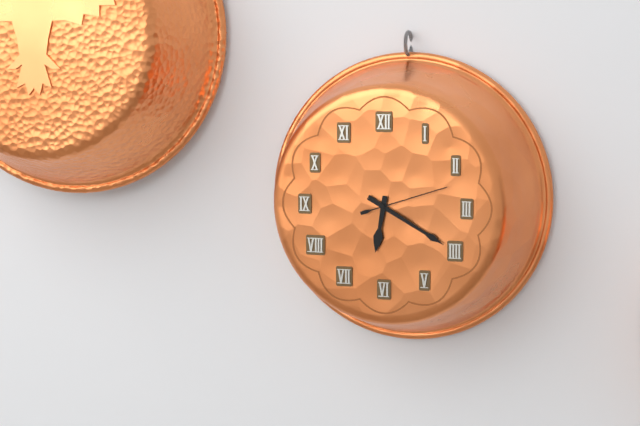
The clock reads 6,20,12
